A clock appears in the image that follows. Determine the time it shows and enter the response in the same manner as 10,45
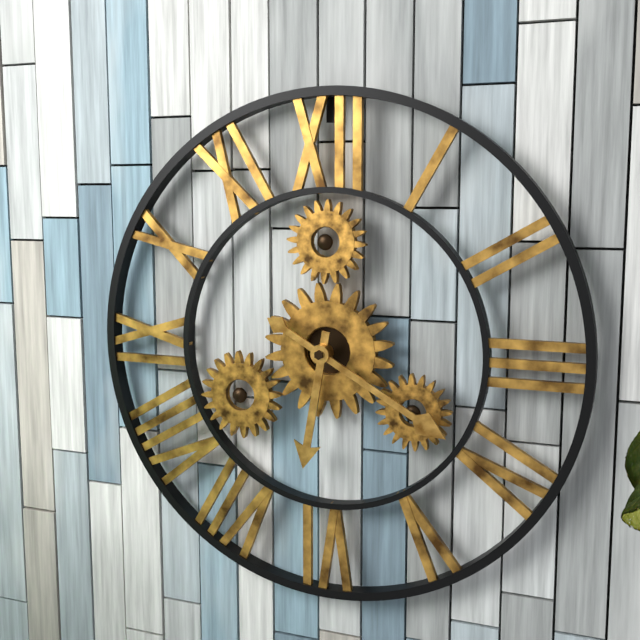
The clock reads 6,20
